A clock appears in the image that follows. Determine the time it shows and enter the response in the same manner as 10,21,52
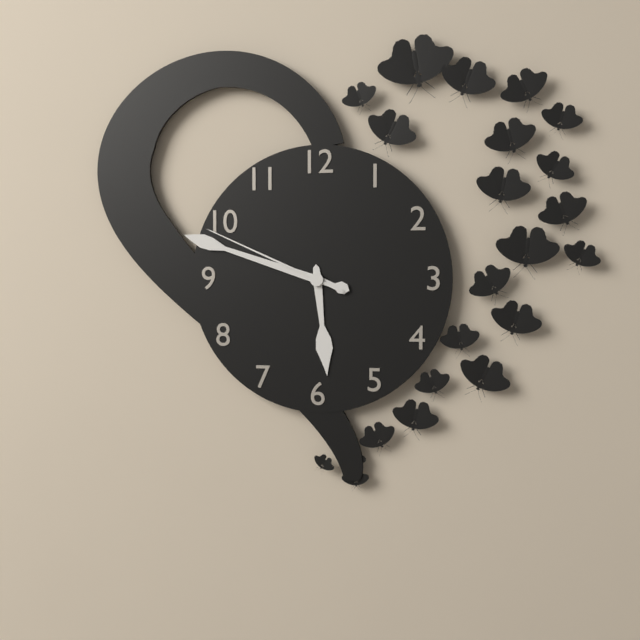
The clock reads 5,48,49
